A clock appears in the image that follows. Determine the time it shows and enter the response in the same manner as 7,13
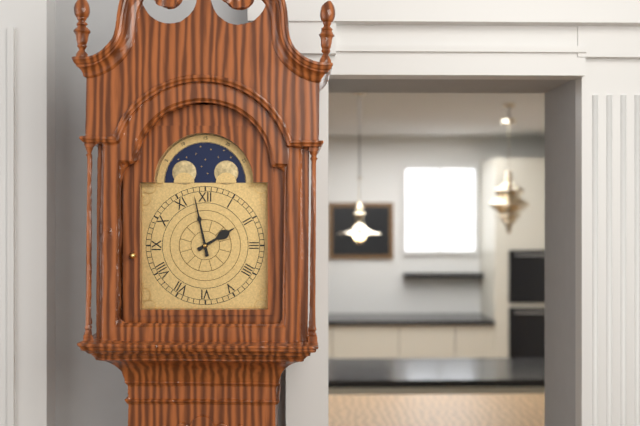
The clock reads 1,58
